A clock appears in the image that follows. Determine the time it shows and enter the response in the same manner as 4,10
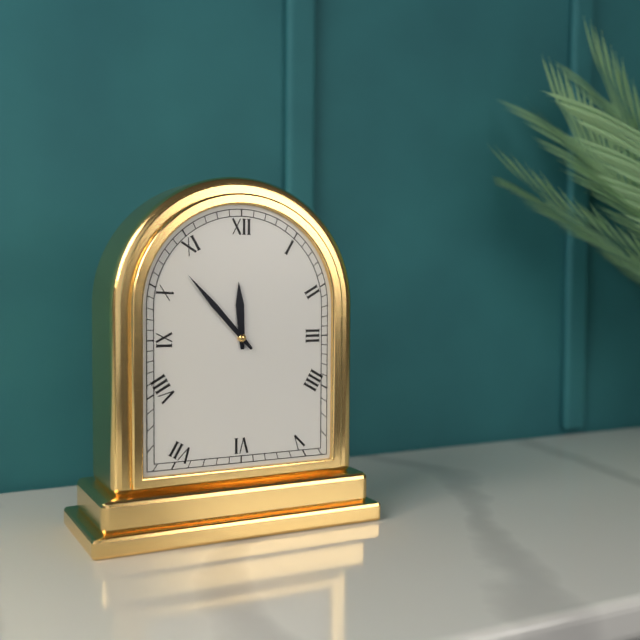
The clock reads 11,53
